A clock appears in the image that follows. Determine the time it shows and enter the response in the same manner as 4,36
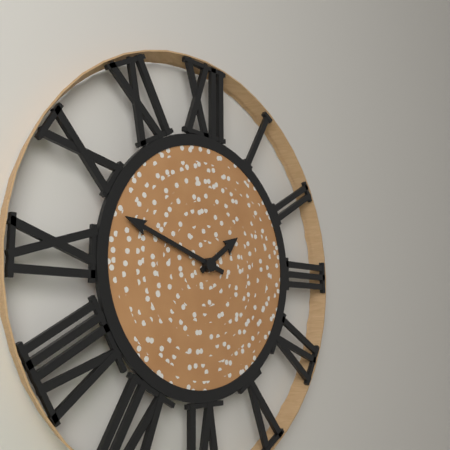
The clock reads 1,48
